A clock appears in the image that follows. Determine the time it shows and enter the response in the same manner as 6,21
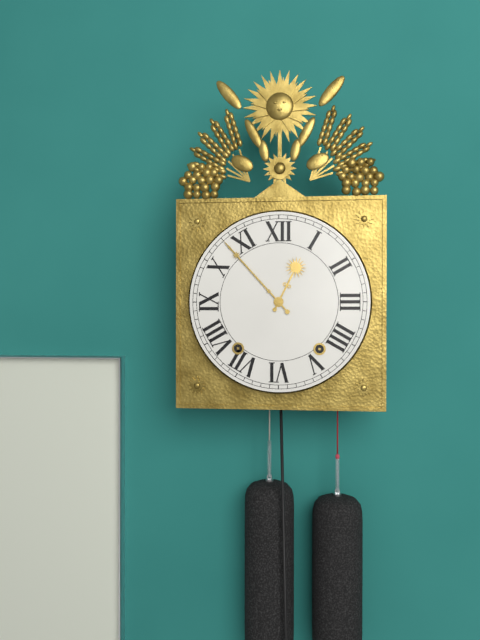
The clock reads 12,53
